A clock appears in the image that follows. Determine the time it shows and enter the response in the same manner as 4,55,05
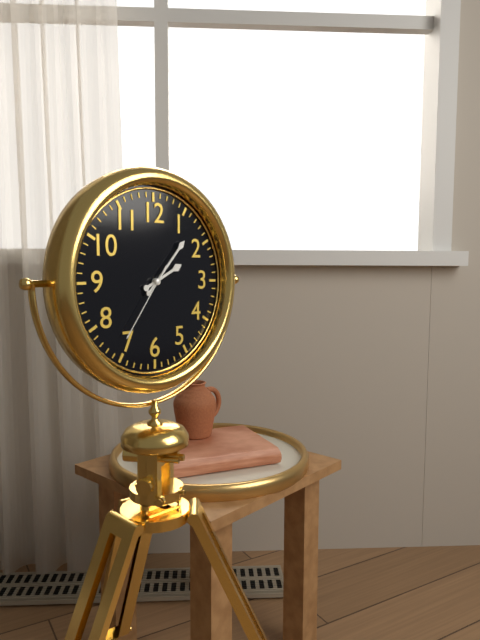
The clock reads 2,07,36
